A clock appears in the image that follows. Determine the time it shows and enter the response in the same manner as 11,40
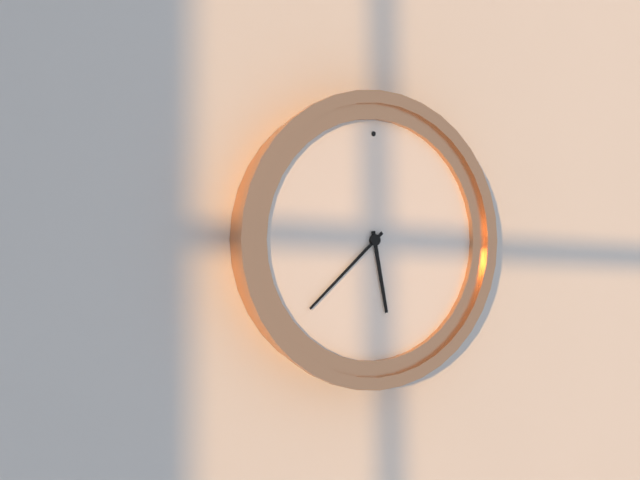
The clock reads 5,38
